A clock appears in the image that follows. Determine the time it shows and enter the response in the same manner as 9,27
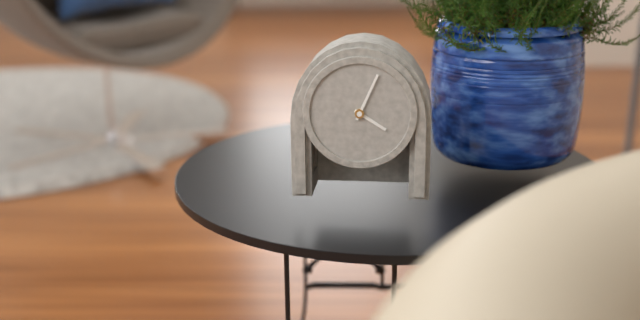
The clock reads 4,04
